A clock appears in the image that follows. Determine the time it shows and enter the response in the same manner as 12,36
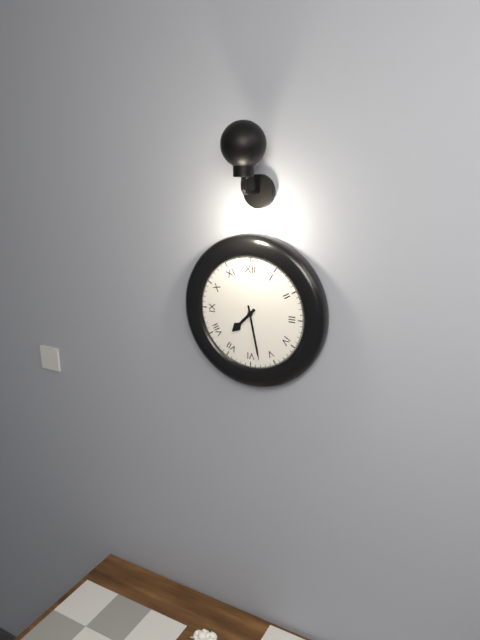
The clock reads 7,28
